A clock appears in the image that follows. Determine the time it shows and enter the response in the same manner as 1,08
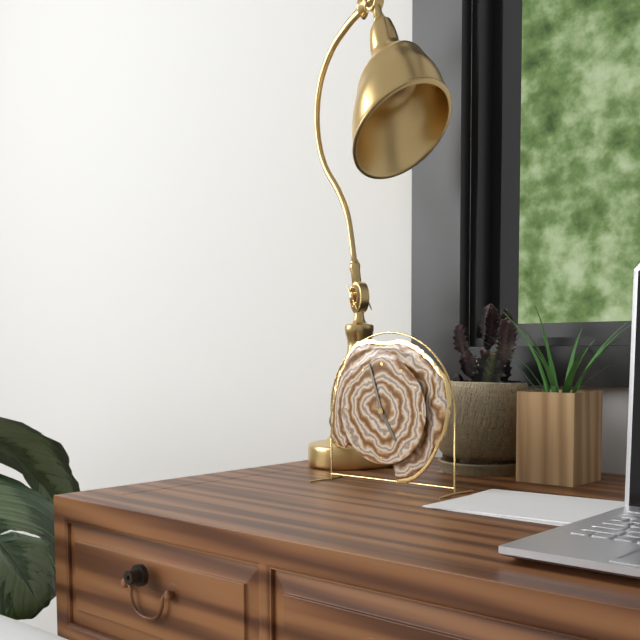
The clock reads 4,57
